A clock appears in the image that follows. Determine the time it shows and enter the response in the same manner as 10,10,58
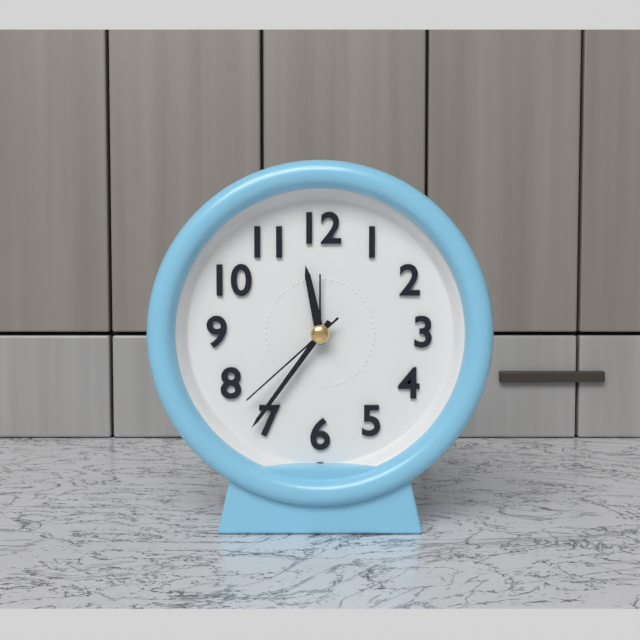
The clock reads 11,36,38
